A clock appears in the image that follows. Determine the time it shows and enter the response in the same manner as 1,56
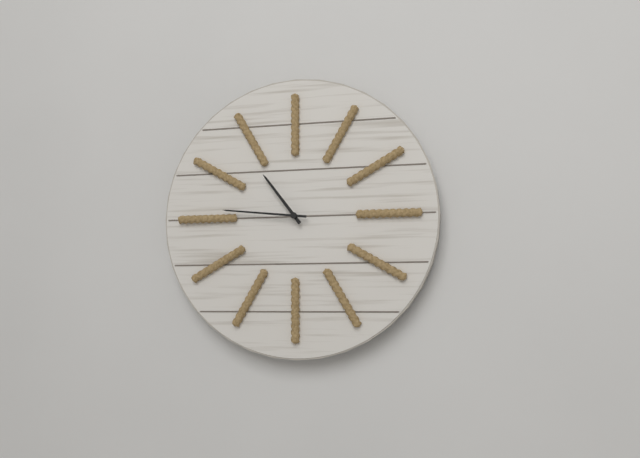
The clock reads 10,46
